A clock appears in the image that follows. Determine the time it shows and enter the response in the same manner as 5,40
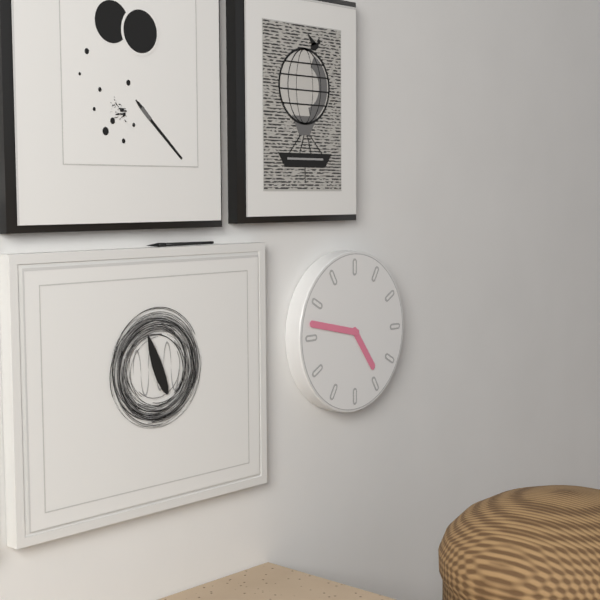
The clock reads 4,47
